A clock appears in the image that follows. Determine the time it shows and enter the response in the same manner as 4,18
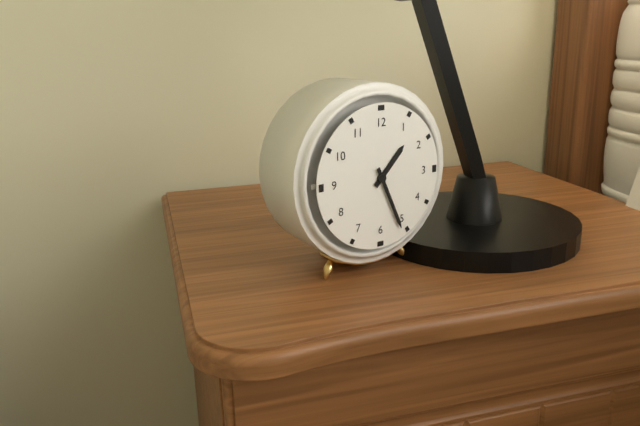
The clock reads 1,26
